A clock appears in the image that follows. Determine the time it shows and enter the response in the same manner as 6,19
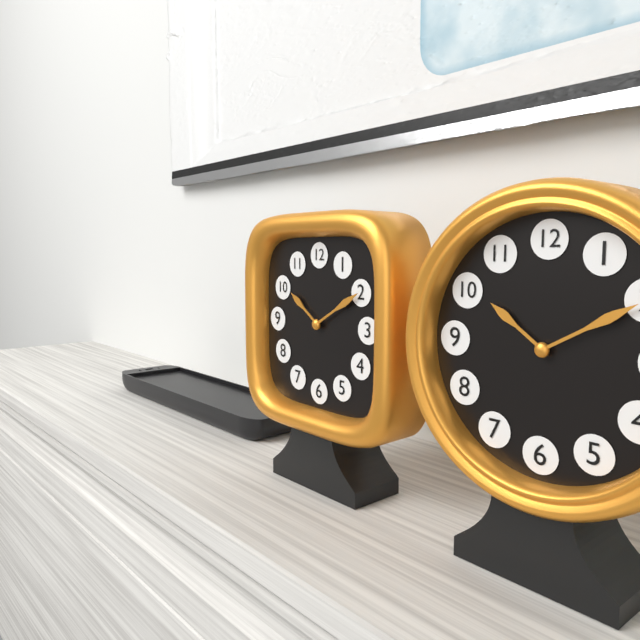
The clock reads 10,10
